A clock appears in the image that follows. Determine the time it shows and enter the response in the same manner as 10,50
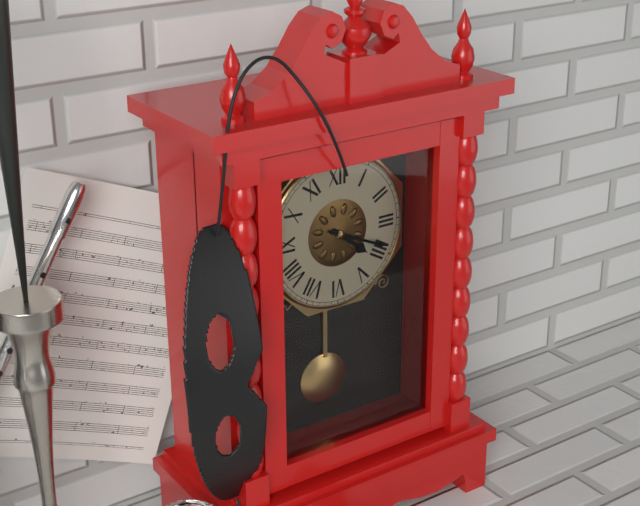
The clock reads 4,19
